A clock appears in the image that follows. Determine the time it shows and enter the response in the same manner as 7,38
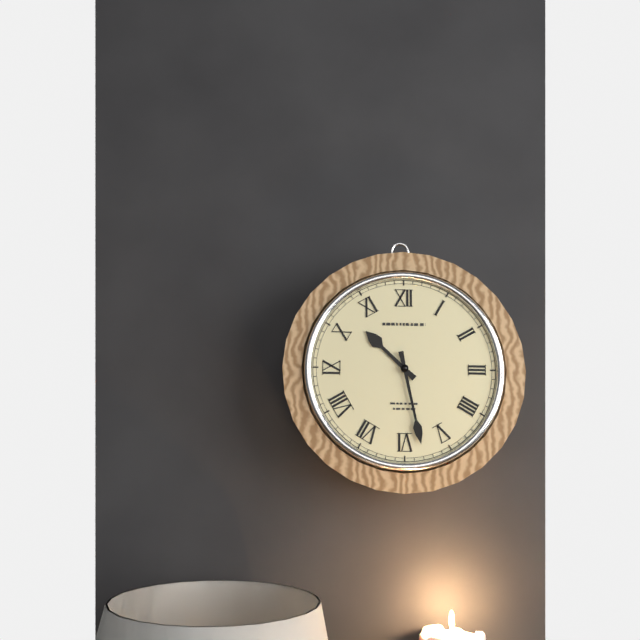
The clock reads 10,28
